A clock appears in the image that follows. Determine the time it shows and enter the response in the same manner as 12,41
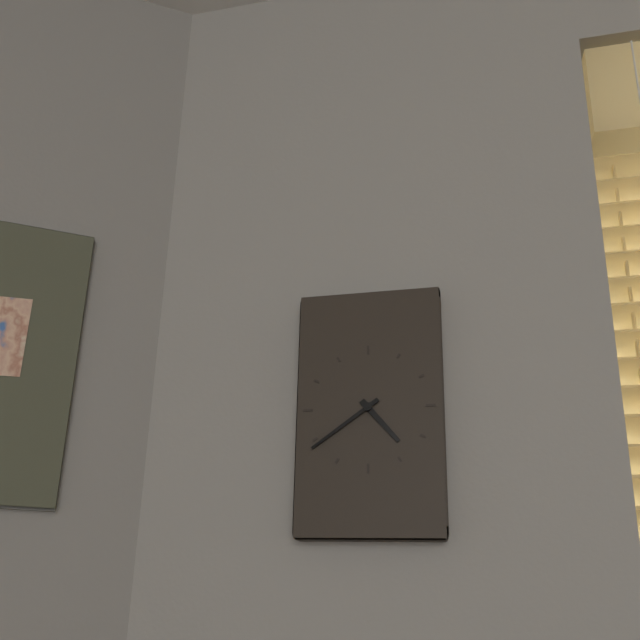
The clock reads 4,39
